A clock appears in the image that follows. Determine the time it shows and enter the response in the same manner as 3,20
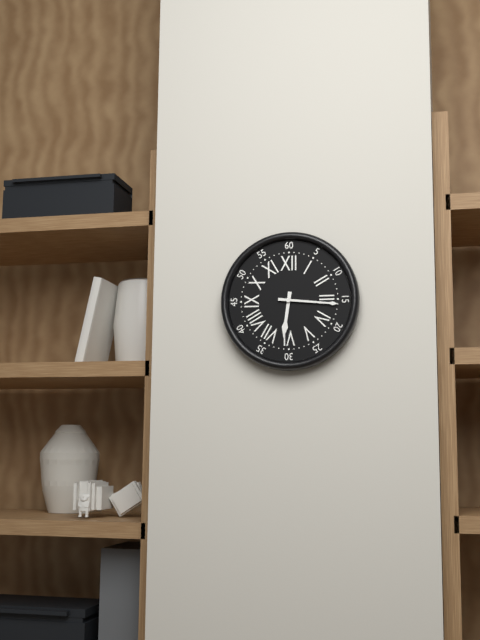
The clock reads 6,16
